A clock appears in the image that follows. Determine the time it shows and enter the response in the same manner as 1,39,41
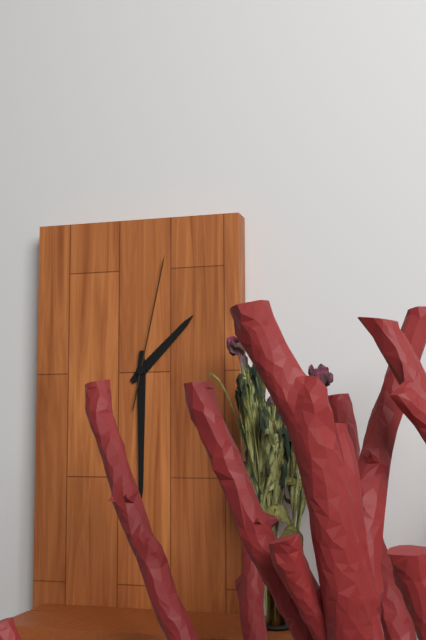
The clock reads 1,30,02
